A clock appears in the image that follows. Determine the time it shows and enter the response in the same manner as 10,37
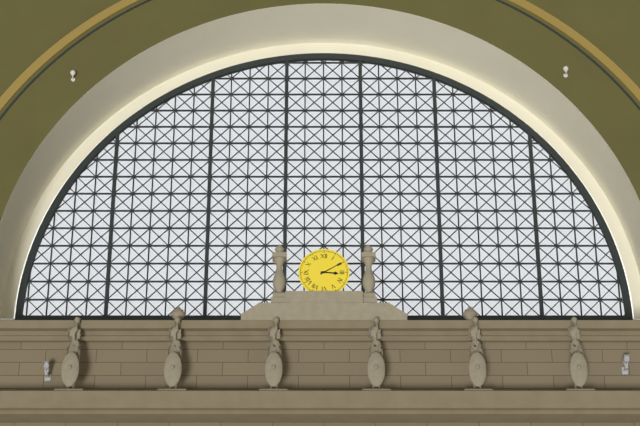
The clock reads 3,10
